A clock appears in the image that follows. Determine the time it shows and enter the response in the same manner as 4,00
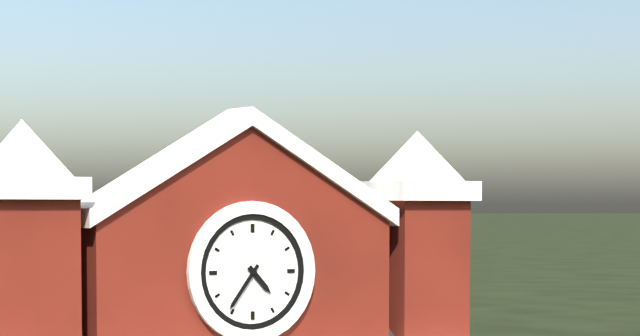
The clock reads 4,36
